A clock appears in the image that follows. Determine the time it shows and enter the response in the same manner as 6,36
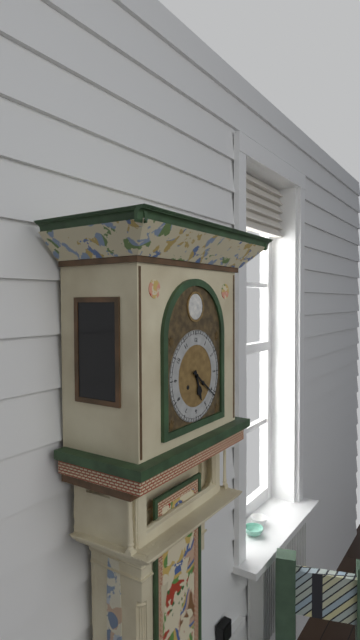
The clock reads 5,21
